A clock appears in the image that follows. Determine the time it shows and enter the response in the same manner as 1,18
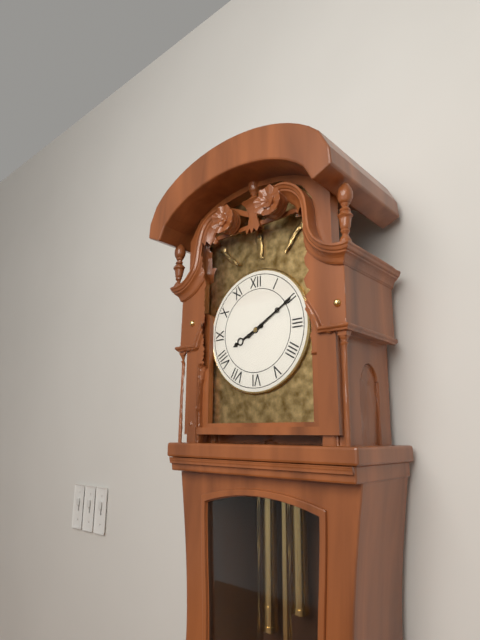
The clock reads 8,10
